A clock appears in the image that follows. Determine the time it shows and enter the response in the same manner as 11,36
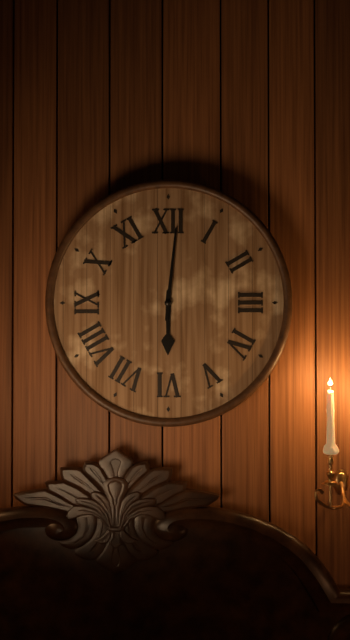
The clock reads 6,01
